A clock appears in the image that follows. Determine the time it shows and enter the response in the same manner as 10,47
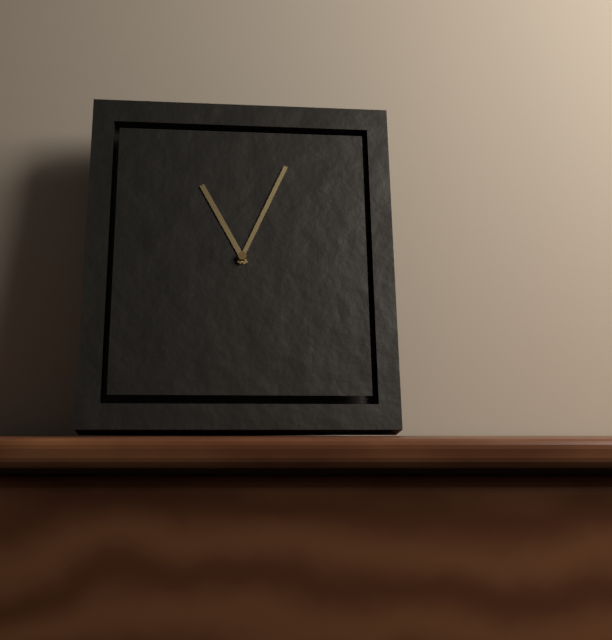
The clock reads 11,04
